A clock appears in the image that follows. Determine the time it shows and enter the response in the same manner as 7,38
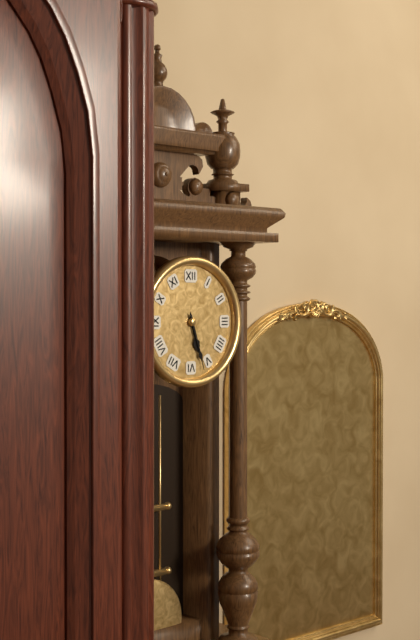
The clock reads 5,27
